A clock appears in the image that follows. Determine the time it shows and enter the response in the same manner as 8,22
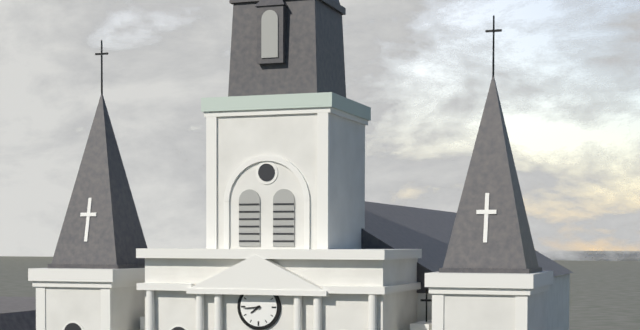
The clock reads 7,44
